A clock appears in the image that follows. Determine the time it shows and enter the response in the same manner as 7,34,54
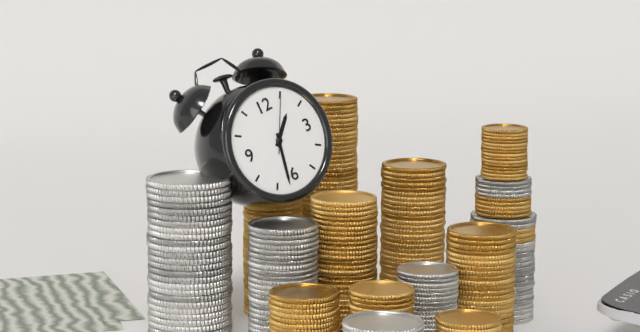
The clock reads 1,32,05
